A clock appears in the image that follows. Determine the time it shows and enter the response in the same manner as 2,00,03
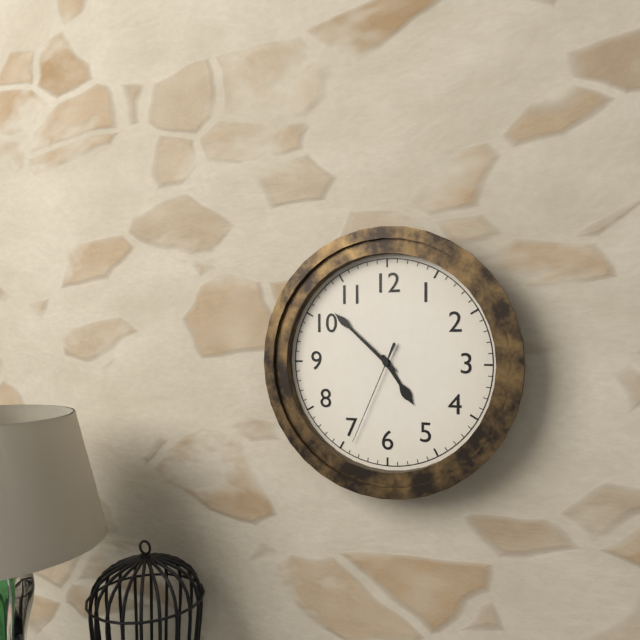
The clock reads 4,52,34
